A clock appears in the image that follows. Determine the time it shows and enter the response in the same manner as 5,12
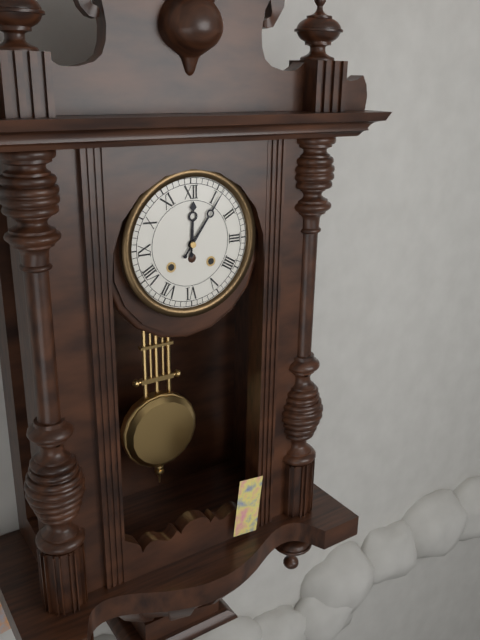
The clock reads 12,06
